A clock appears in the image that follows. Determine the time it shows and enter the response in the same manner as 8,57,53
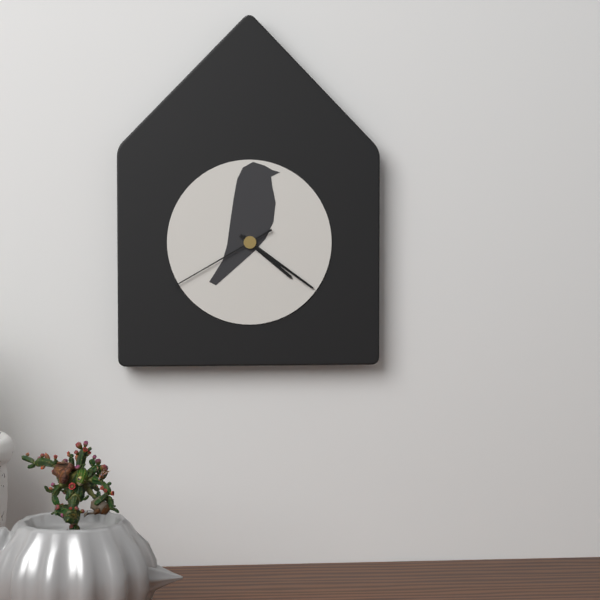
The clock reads 4,21,40
